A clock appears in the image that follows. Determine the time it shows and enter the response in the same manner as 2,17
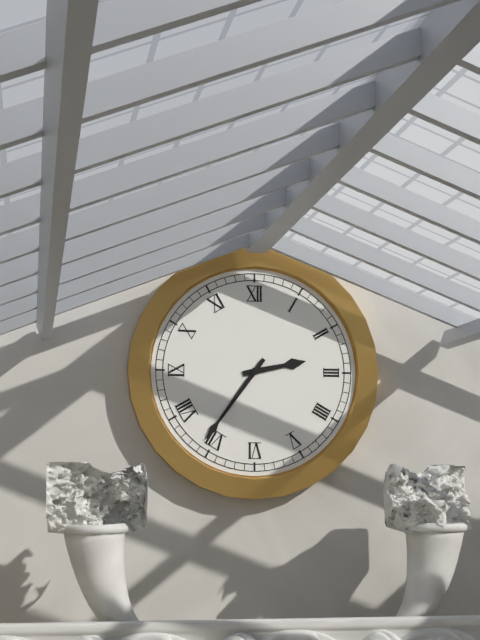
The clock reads 2,36
